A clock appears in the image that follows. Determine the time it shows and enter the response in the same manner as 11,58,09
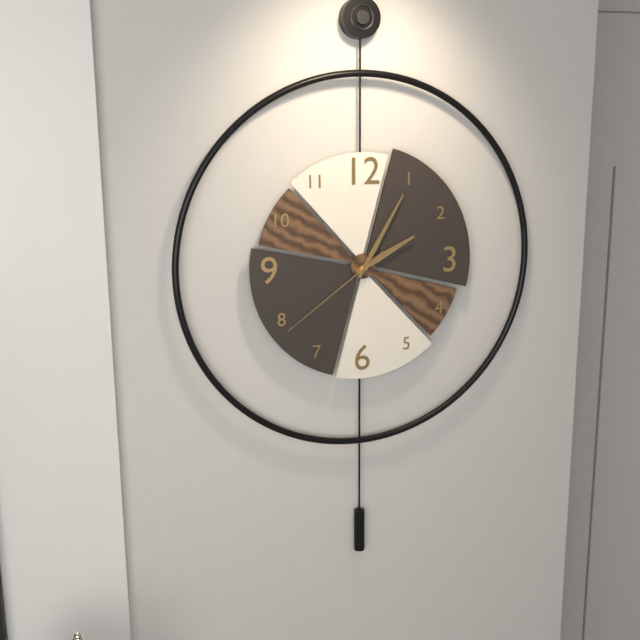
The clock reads 2,05,39
